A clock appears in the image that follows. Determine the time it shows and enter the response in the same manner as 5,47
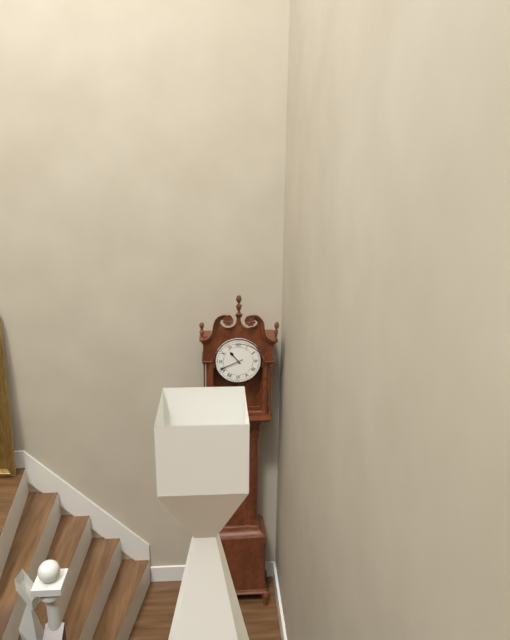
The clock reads 10,41
